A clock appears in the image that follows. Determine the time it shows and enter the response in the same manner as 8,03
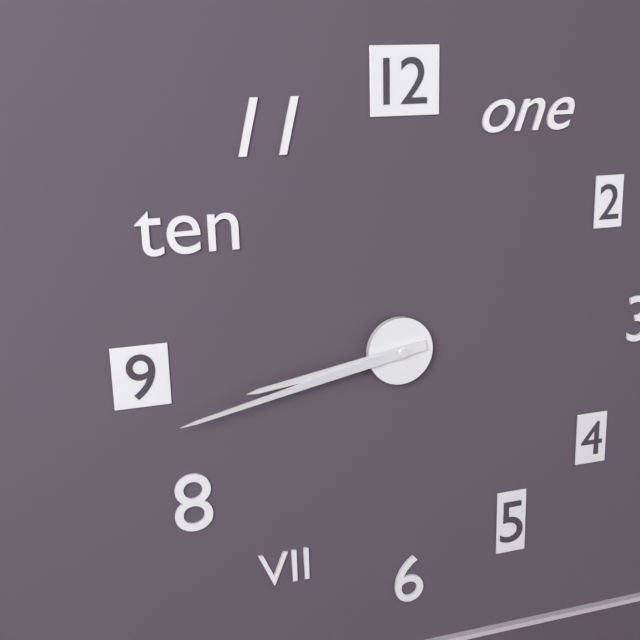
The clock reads 8,43
